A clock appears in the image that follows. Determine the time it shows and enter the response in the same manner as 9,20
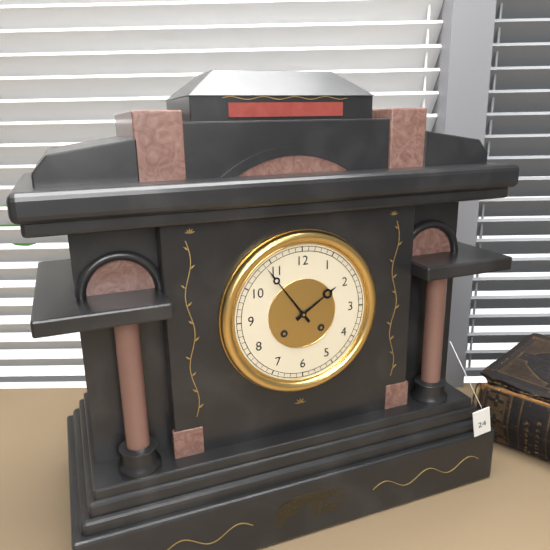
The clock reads 1,54
